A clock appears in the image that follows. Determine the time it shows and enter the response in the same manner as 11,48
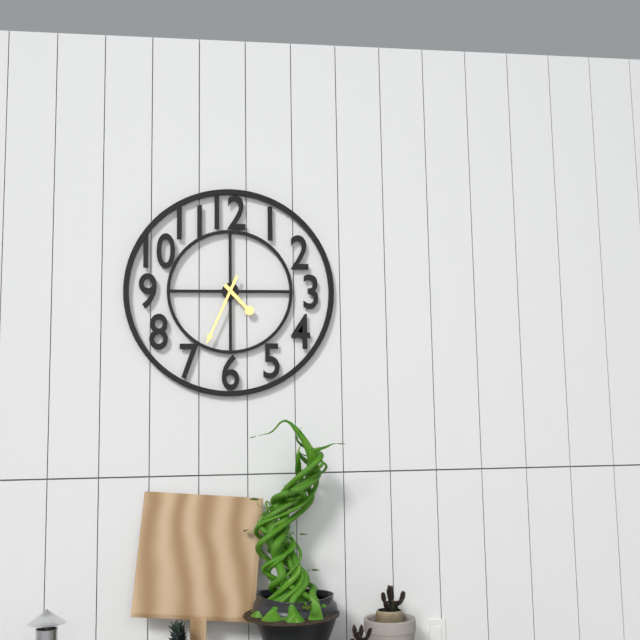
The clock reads 4,34
